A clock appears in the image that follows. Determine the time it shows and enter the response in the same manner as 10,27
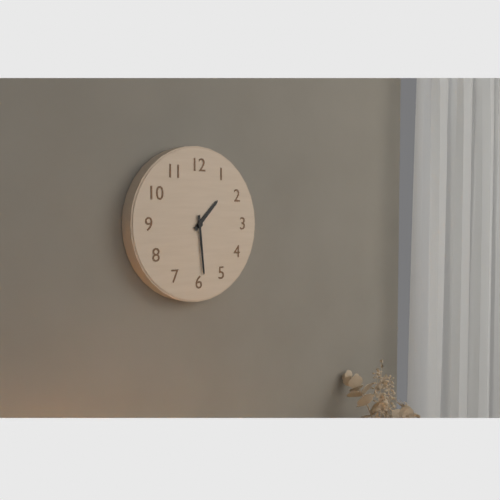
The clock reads 1,29
